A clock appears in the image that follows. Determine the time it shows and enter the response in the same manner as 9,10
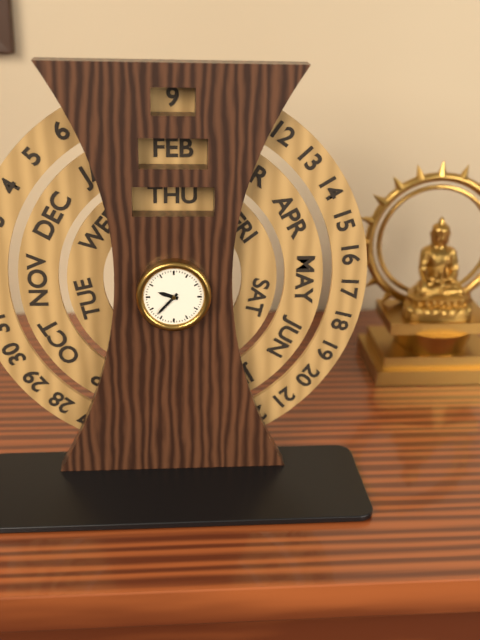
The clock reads 9,37
